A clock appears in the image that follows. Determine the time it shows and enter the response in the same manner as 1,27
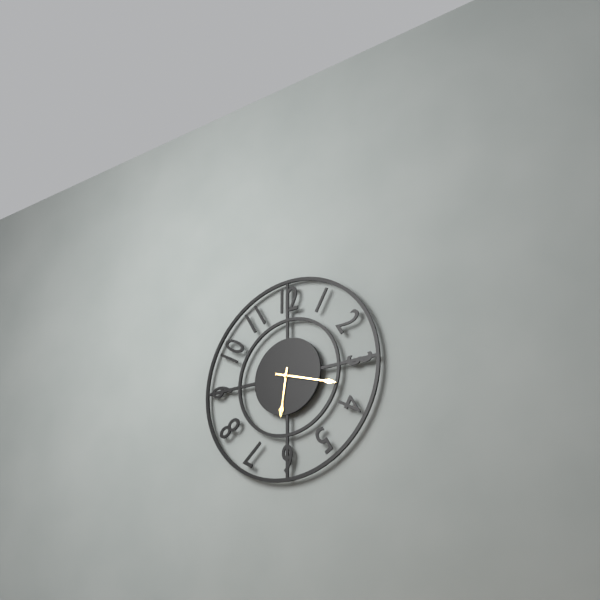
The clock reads 6,18
